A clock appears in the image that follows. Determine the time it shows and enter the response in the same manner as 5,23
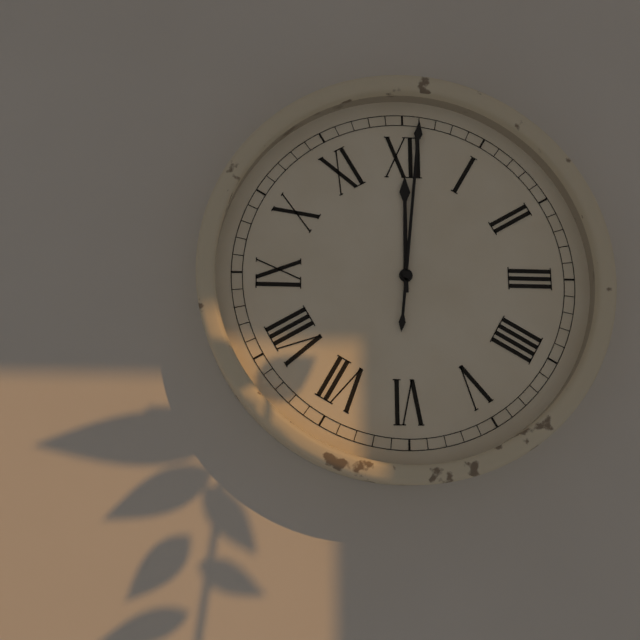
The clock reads 12,01
